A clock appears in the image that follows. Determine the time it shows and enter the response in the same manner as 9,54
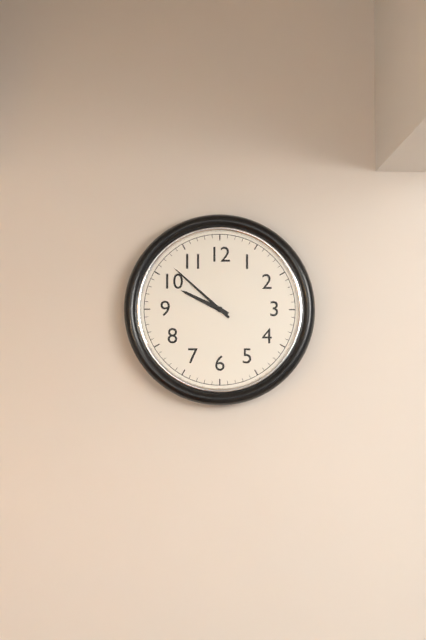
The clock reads 9,52
